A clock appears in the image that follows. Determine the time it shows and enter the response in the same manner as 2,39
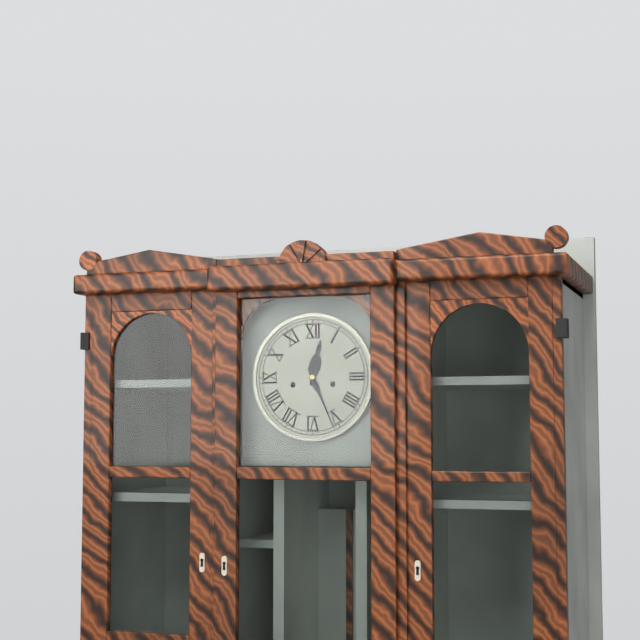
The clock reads 12,26
